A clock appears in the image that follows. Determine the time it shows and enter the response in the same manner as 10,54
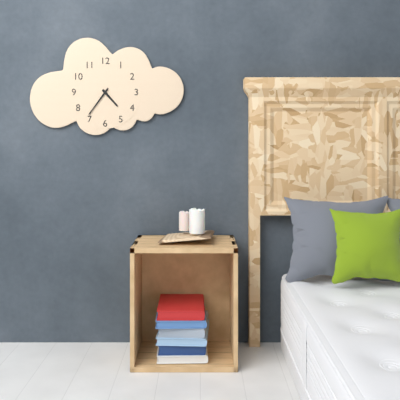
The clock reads 4,36
